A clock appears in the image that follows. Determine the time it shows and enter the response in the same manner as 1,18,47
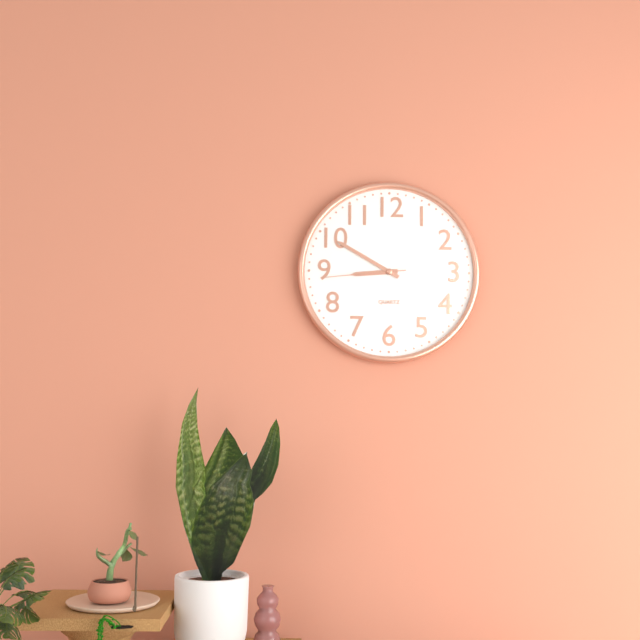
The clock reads 8,50,44
